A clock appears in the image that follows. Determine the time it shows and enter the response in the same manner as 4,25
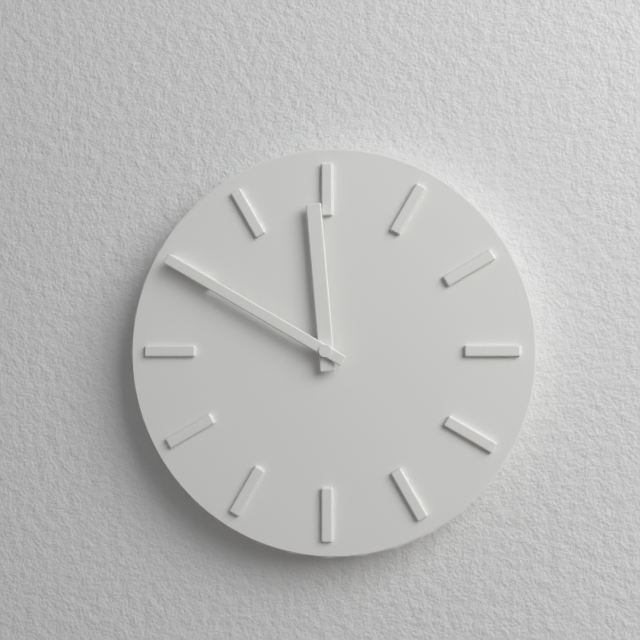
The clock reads 11,50
